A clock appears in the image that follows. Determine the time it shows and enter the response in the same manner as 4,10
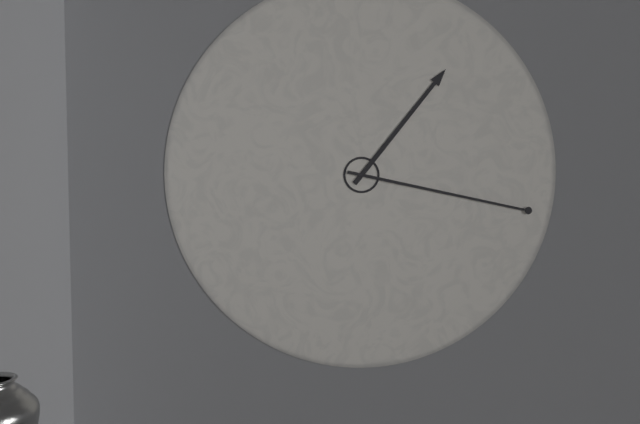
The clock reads 1,17
